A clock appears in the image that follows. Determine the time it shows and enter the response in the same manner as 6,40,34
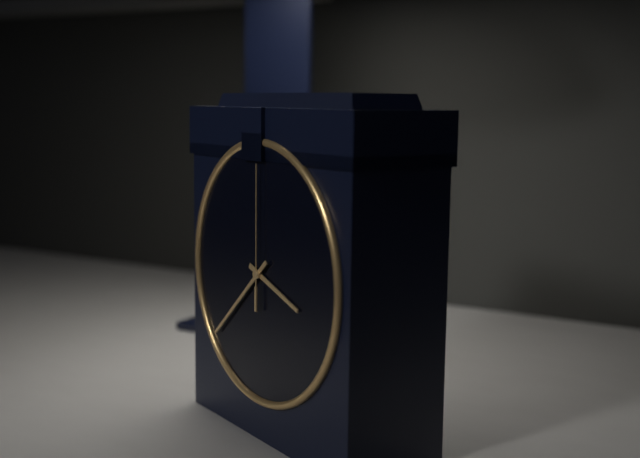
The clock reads 3,38,00
